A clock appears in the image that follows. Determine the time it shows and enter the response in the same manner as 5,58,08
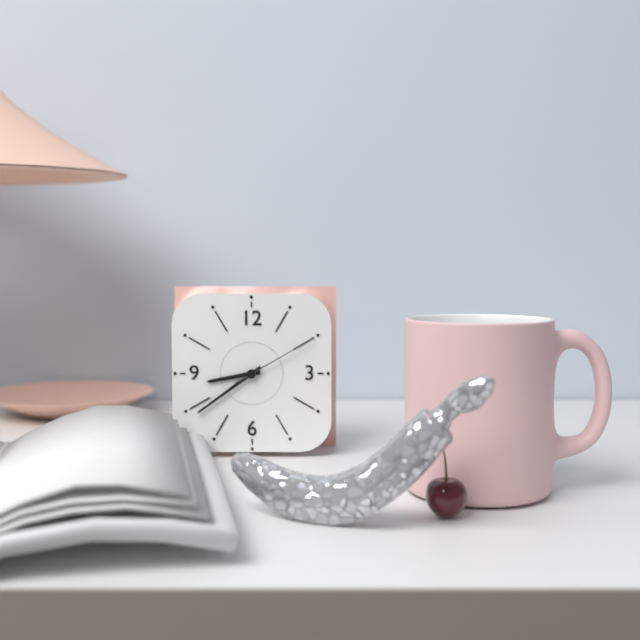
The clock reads 8,39,10
